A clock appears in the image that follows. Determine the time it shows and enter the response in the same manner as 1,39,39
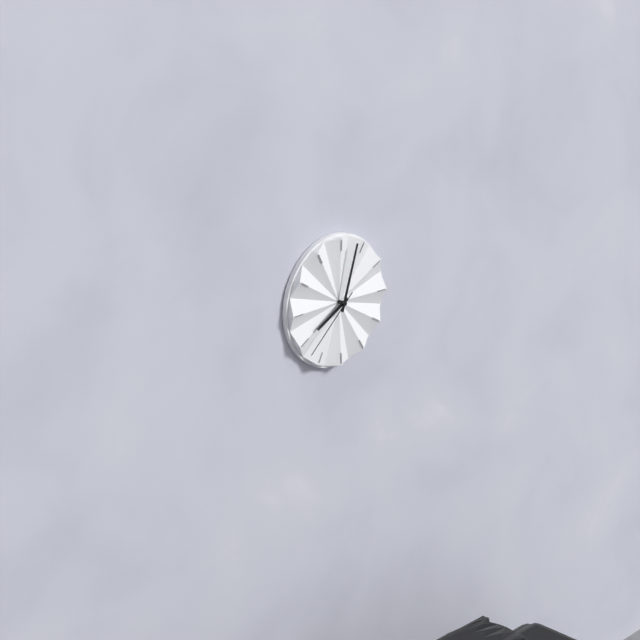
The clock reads 8,03,38
